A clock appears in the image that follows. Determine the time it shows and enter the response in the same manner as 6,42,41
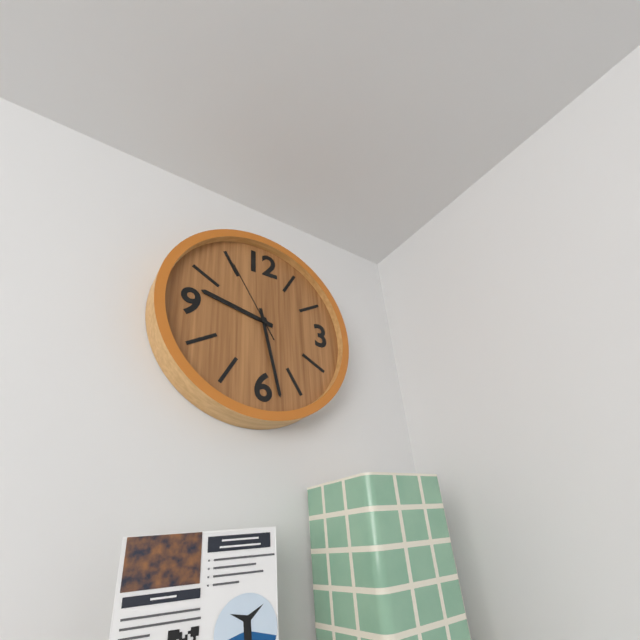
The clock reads 9,28,55
